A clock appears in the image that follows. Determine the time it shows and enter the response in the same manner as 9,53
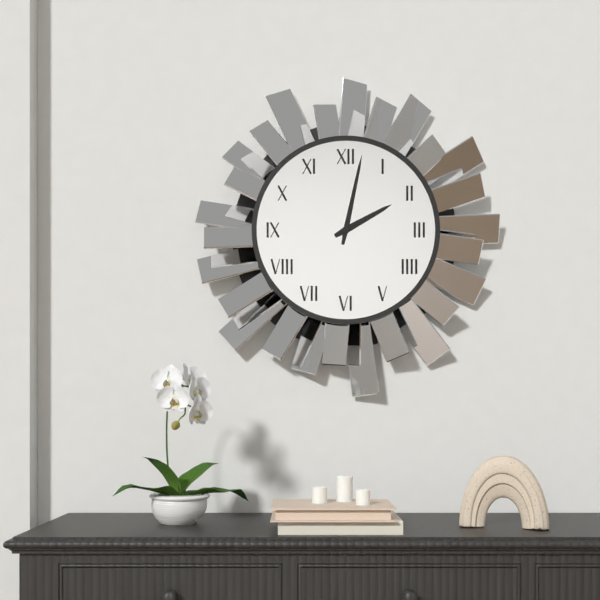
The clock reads 2,02
